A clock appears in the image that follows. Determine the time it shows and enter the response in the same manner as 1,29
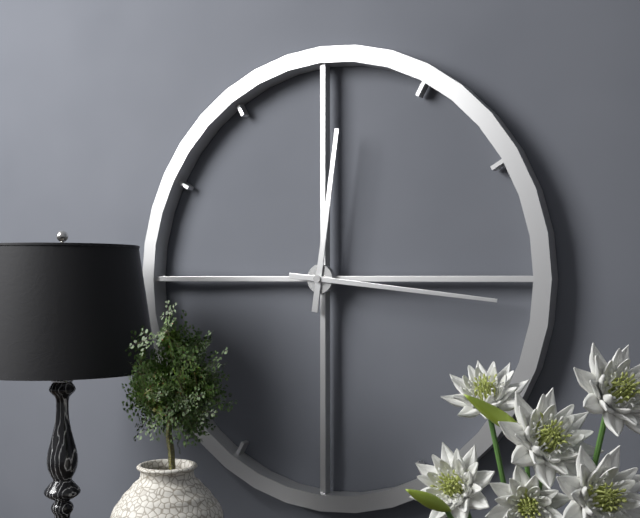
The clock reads 12,16
